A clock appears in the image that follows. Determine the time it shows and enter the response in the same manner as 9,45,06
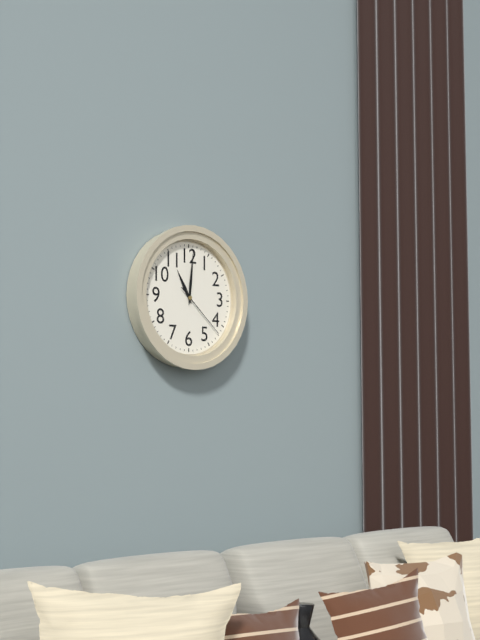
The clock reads 11,01,22
